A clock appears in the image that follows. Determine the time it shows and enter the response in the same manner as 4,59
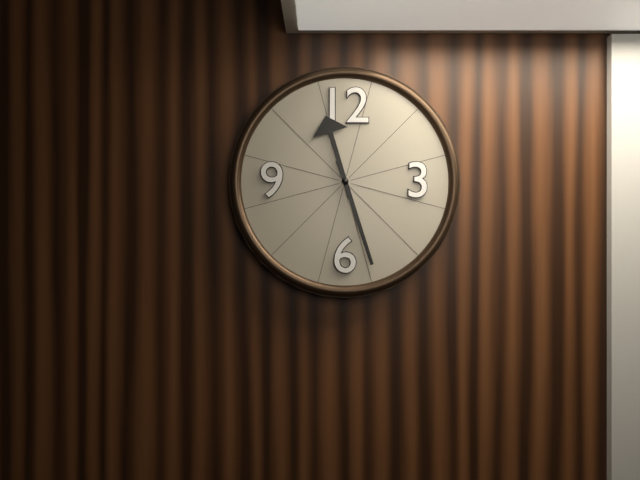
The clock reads 11,27
